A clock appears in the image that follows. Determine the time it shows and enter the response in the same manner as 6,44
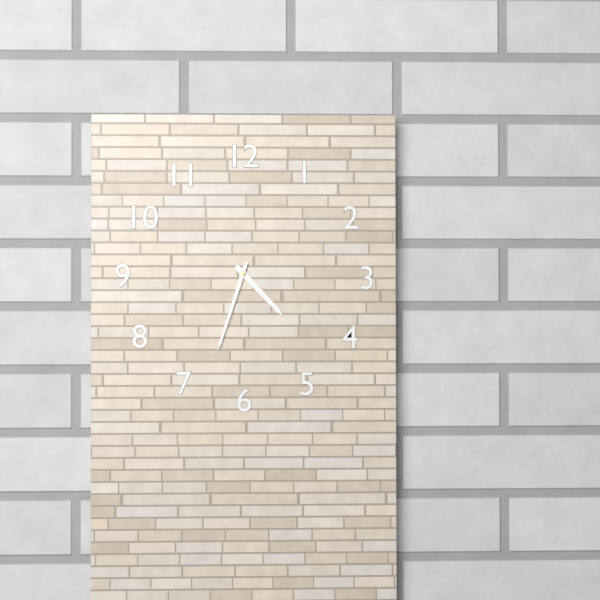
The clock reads 4,33
